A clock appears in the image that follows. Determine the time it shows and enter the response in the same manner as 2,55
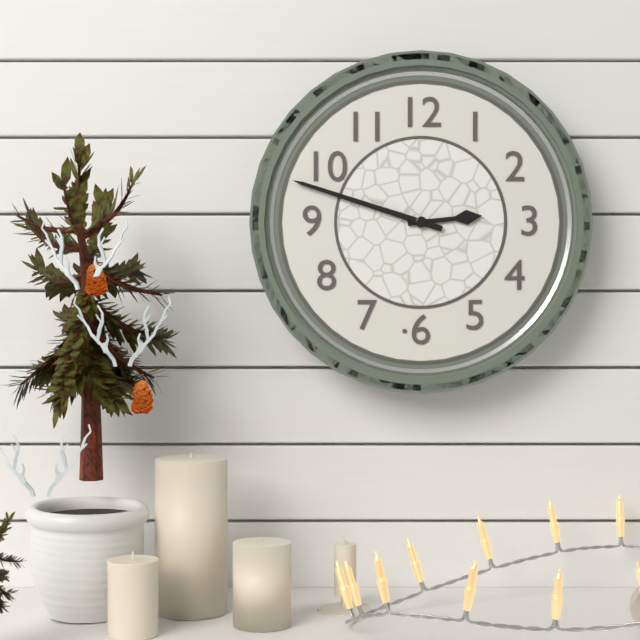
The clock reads 2,48
